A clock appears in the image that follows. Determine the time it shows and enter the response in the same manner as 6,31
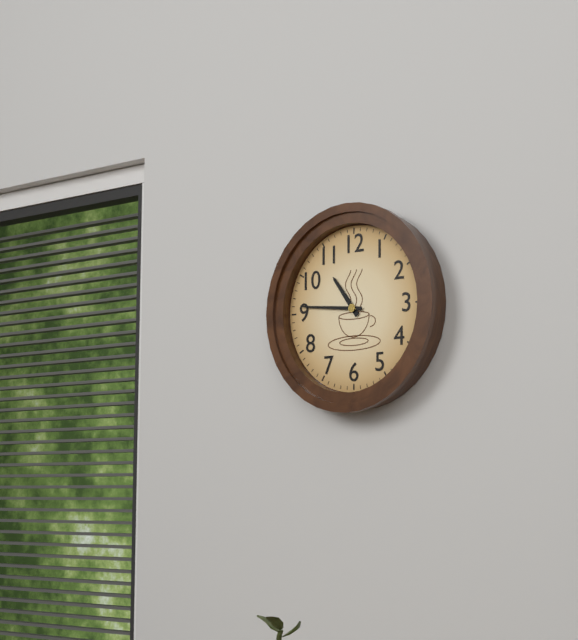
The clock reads 10,46
